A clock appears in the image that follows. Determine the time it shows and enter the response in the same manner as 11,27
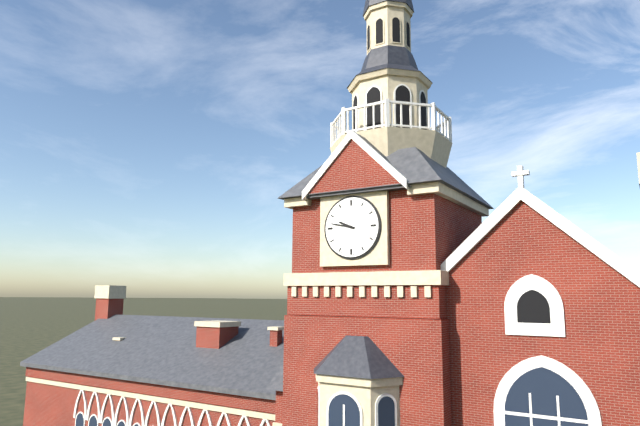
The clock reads 9,47
